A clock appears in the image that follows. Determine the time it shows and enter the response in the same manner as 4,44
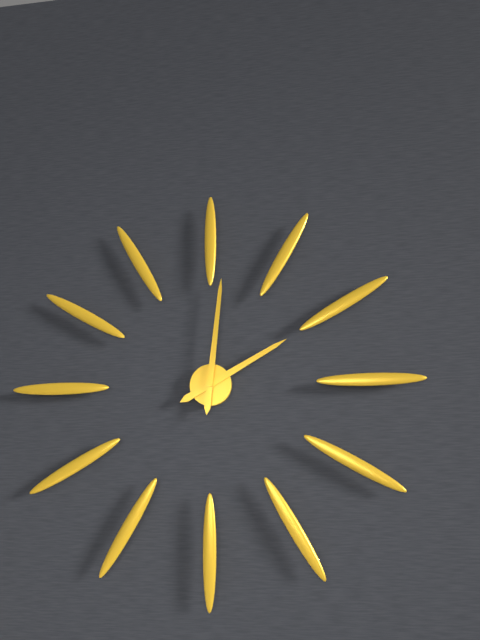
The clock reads 2,01
